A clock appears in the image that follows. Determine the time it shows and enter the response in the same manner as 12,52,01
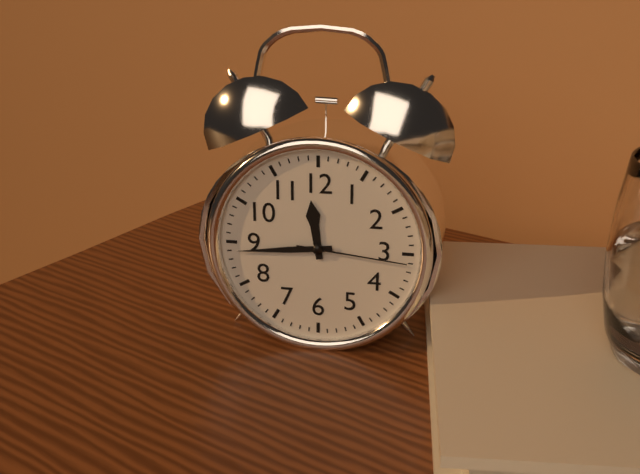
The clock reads 11,44,16
